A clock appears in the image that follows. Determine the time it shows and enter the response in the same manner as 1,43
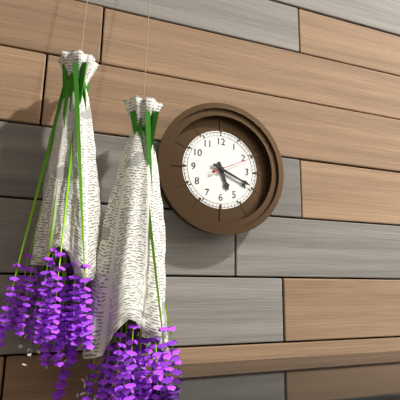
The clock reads 5,19
